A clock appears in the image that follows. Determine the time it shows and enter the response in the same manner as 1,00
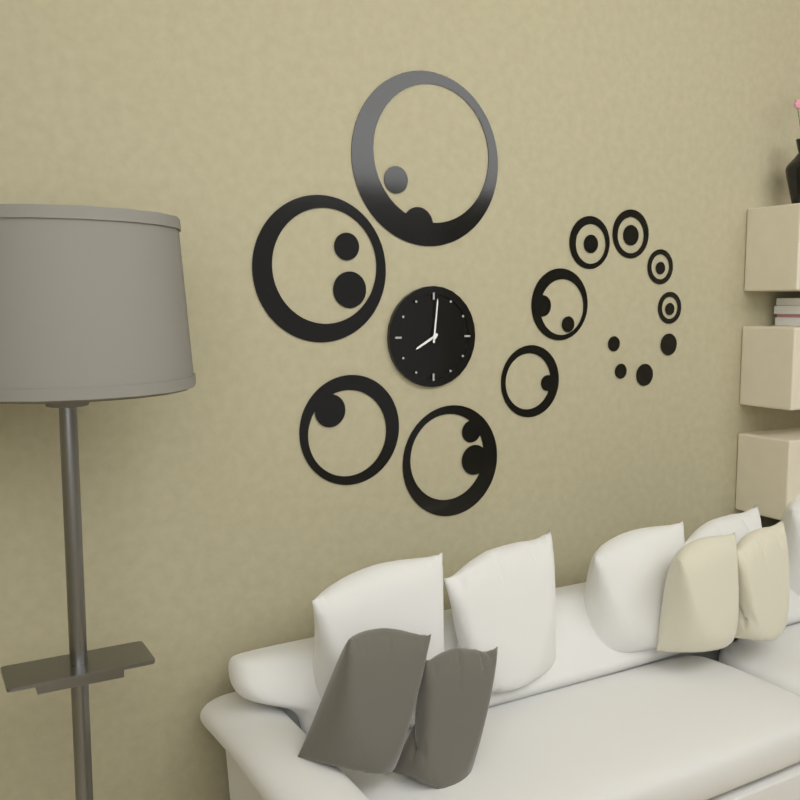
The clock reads 8,01
